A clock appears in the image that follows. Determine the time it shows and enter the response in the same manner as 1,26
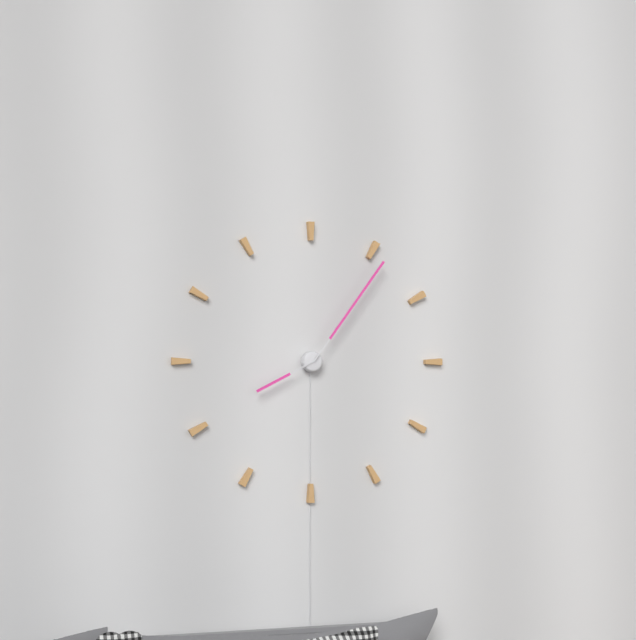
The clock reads 8,06
